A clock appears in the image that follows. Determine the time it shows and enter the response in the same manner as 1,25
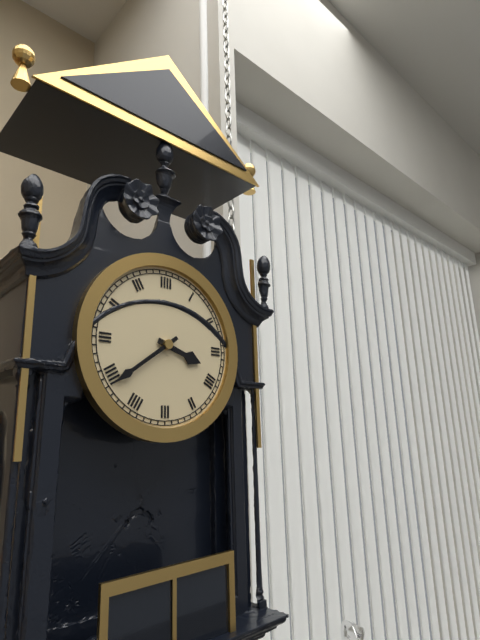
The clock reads 3,39
